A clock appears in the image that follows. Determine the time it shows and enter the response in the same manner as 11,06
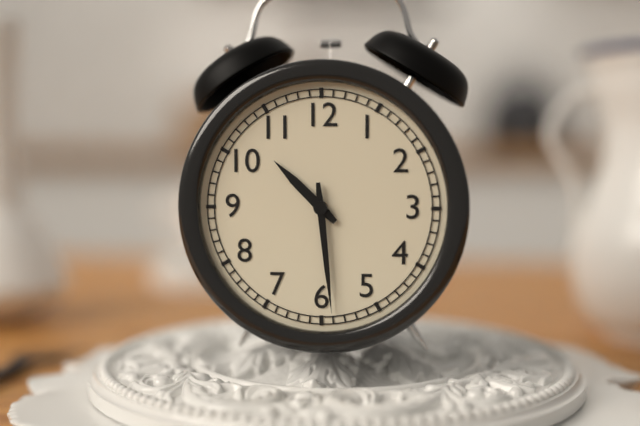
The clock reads 10,29
